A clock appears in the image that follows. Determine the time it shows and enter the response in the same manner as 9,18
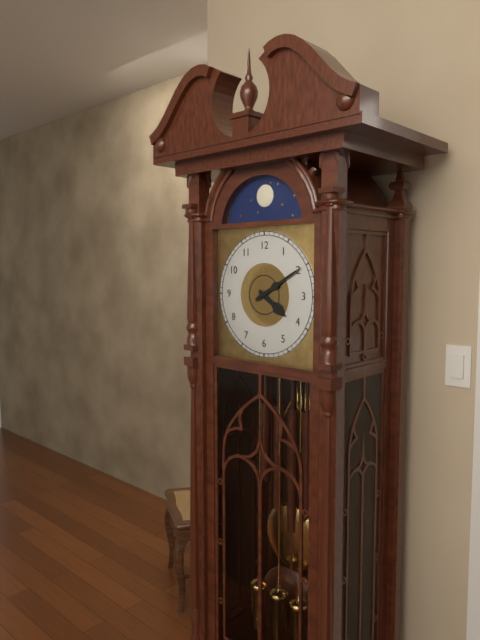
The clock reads 4,10
